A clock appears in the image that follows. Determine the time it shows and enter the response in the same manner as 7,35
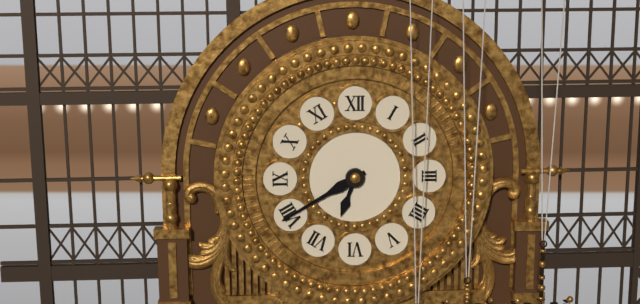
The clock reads 6,40
